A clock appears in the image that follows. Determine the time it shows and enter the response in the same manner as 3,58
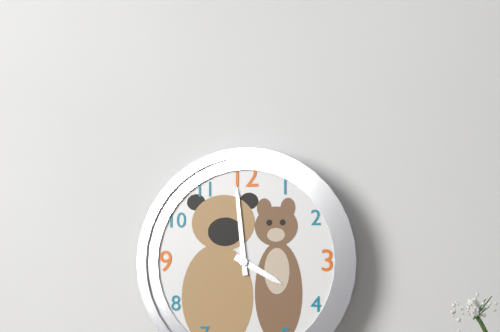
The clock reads 3,59
